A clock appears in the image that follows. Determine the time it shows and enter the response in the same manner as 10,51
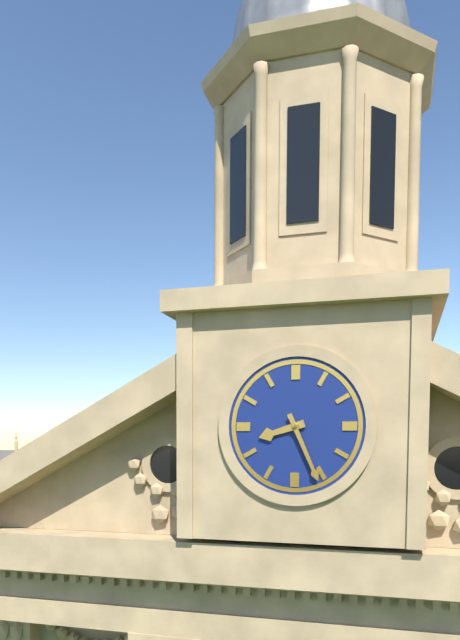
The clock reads 8,26
